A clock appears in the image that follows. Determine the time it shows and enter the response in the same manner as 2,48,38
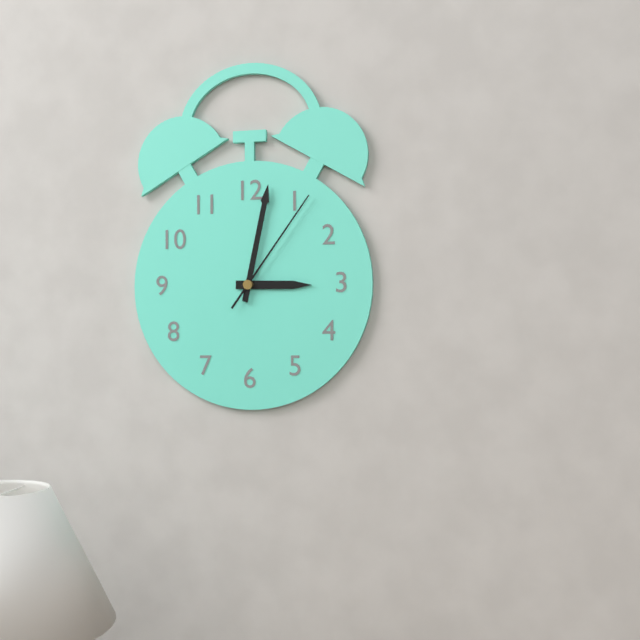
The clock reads 3,02,06
